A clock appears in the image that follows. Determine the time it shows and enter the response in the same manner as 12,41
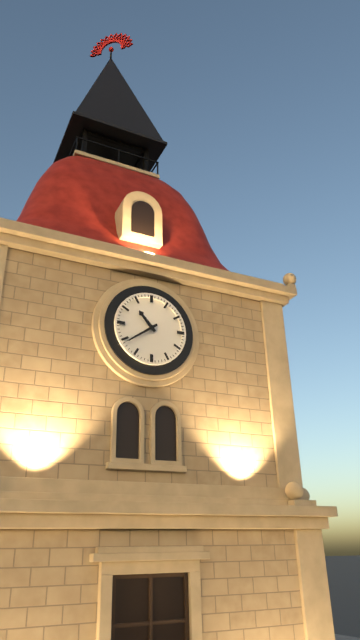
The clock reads 10,39
